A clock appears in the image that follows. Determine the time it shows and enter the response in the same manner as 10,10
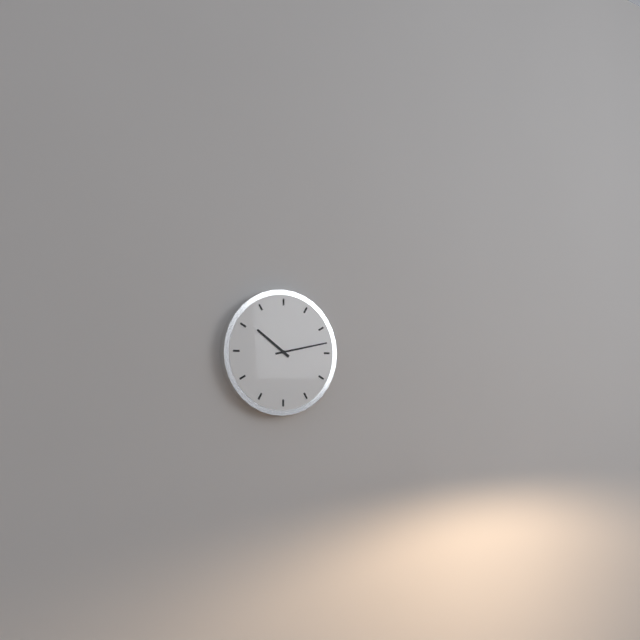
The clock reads 10,13
